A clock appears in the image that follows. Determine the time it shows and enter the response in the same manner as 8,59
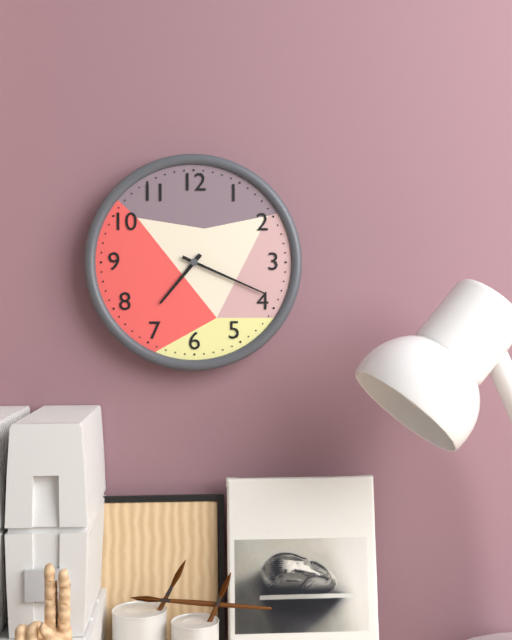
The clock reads 7,19
